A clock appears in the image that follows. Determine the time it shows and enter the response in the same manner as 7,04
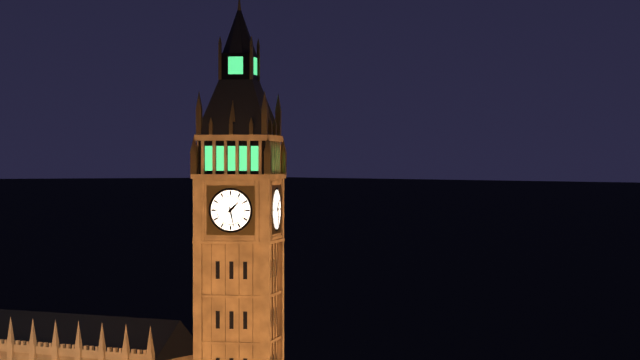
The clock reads 1,28
